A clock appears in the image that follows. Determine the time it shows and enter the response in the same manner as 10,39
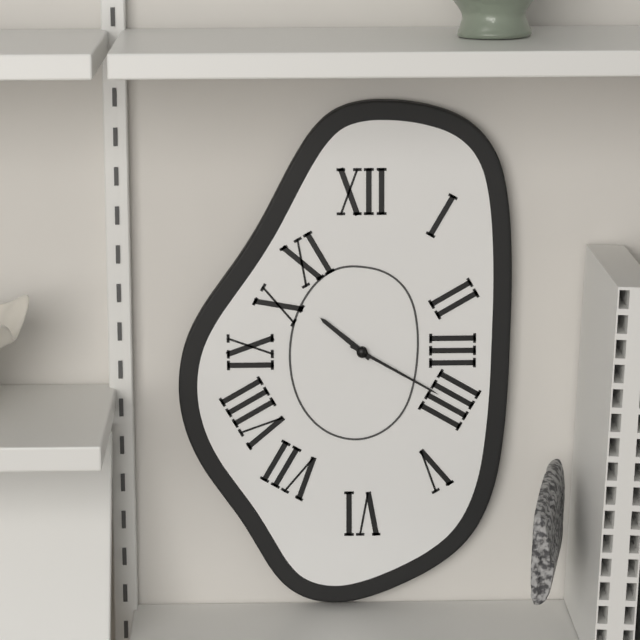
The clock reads 10,20
